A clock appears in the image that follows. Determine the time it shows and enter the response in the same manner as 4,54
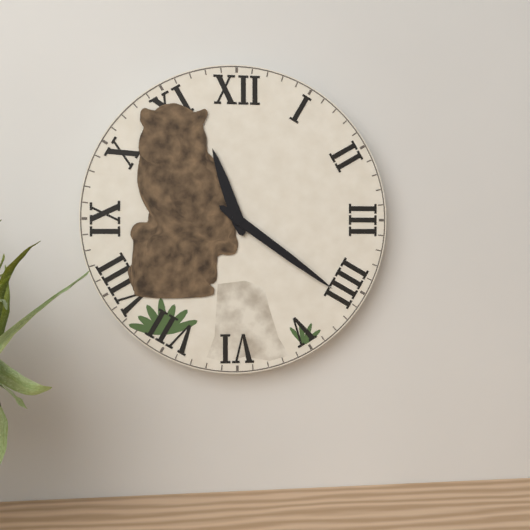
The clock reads 11,21
